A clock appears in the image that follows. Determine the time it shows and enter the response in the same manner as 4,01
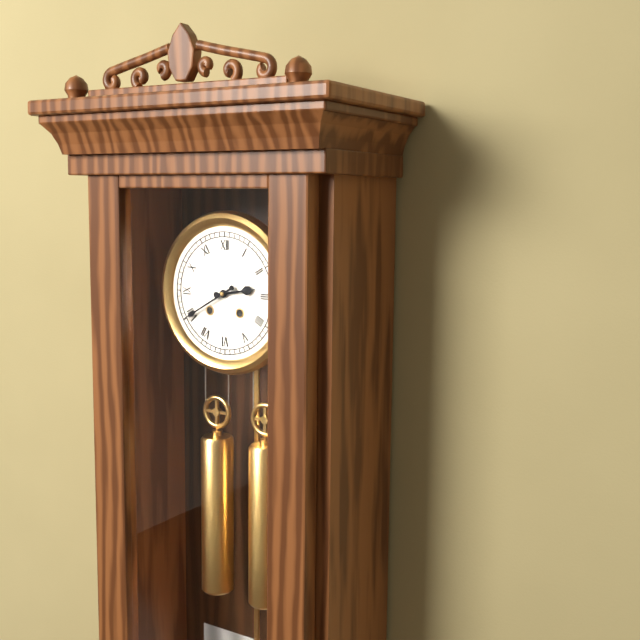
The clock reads 2,40
